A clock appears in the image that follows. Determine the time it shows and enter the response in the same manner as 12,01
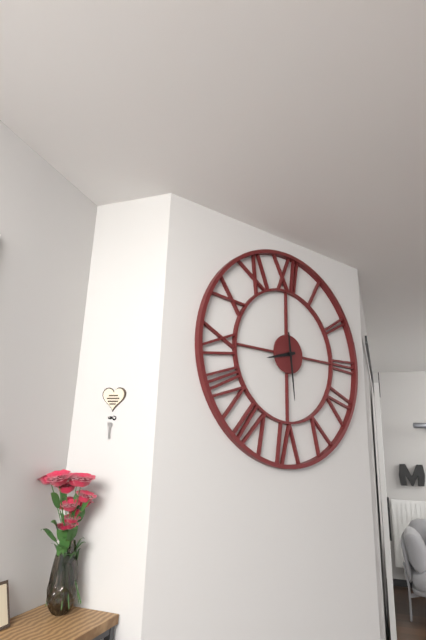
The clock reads 8,29
